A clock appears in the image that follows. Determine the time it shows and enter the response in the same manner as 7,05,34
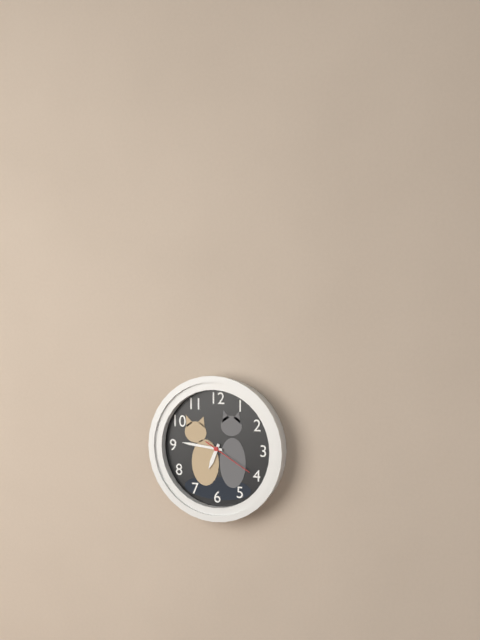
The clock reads 6,46,20
